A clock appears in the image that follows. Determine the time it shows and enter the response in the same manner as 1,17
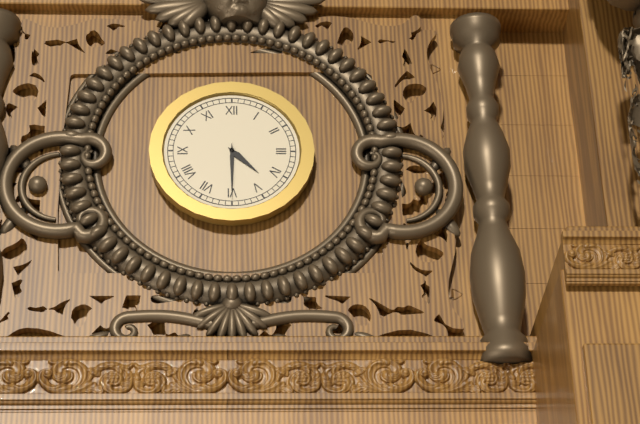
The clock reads 4,30
